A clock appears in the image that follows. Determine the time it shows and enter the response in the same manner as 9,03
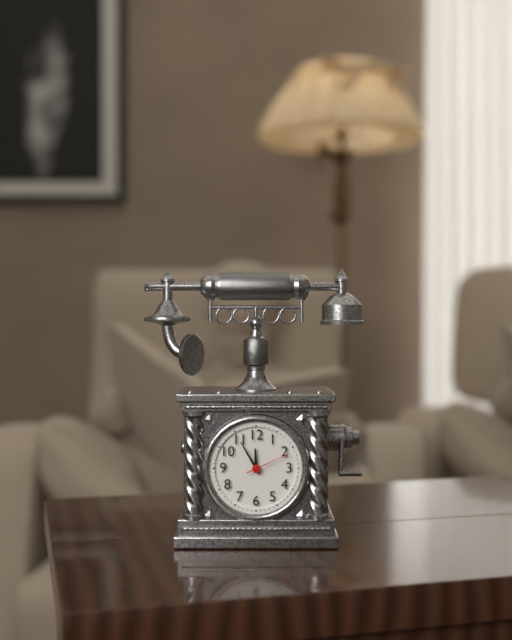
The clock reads 11,55
